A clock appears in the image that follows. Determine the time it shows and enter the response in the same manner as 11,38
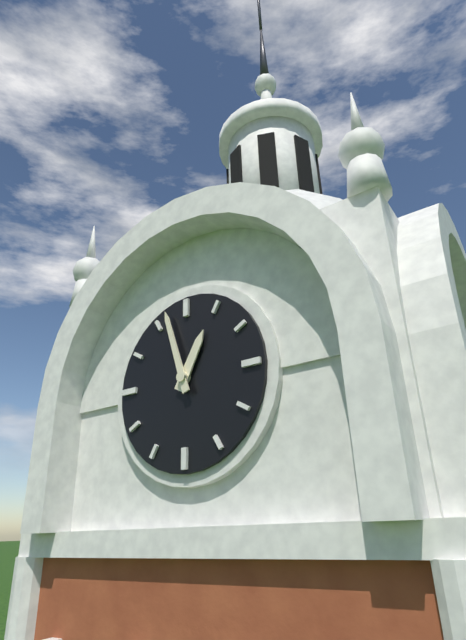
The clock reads 12,57
